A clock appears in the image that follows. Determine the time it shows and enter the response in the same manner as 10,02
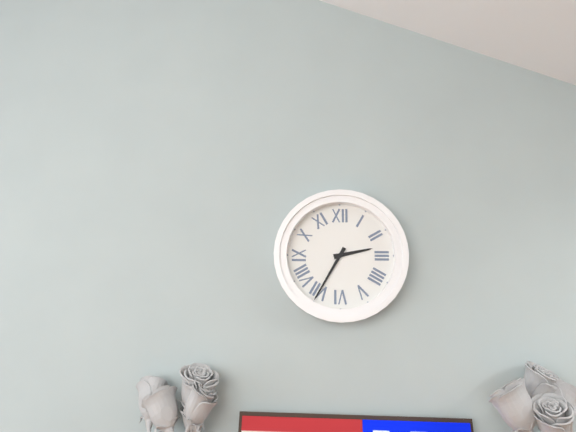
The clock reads 2,35
